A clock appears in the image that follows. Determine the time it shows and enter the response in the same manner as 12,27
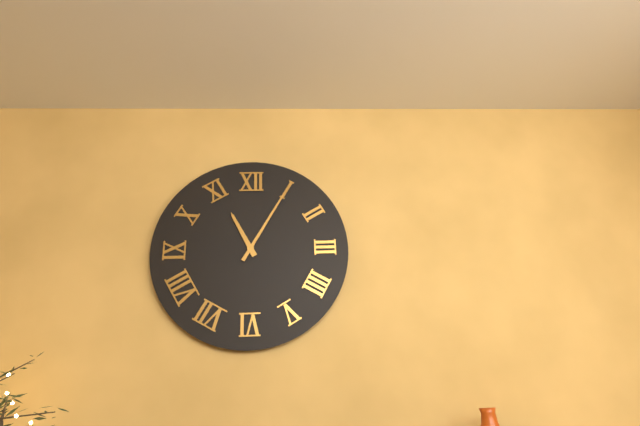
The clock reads 11,05
